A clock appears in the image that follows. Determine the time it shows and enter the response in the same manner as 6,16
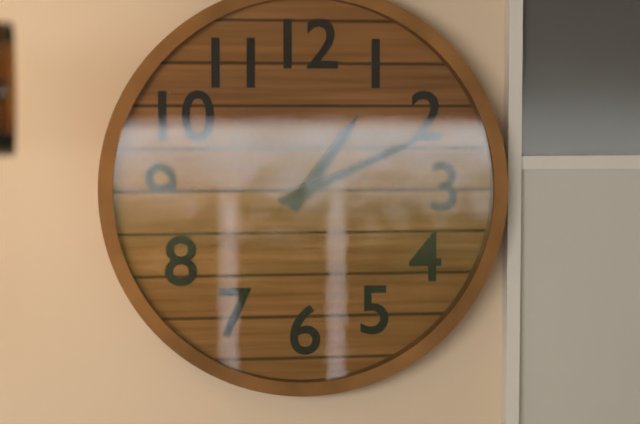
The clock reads 1,11
